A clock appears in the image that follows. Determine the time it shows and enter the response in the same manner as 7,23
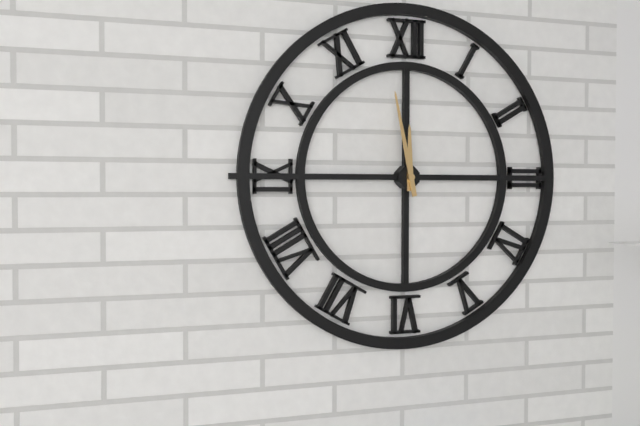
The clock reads 11,58
